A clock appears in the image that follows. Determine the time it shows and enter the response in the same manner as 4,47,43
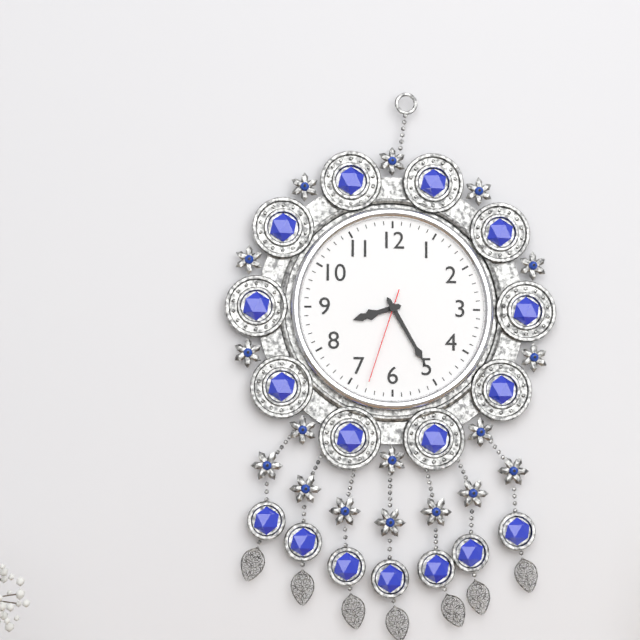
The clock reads 8,25,33
